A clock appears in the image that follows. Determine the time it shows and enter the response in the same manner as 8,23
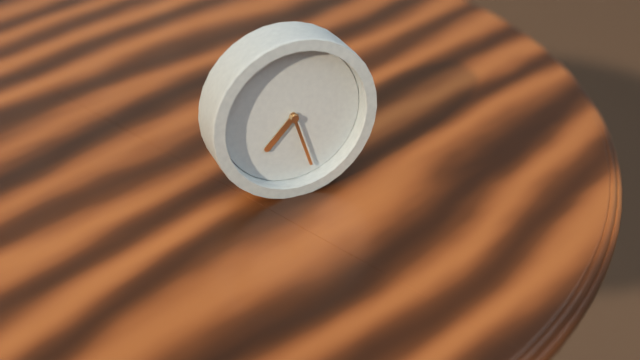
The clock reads 7,27
